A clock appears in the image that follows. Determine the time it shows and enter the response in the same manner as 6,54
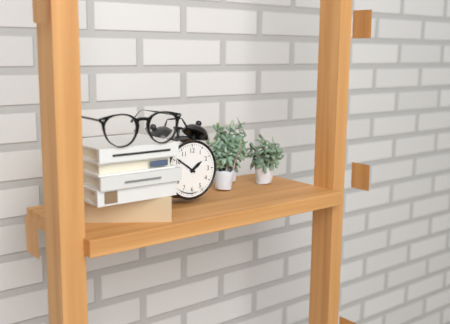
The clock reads 1,51
